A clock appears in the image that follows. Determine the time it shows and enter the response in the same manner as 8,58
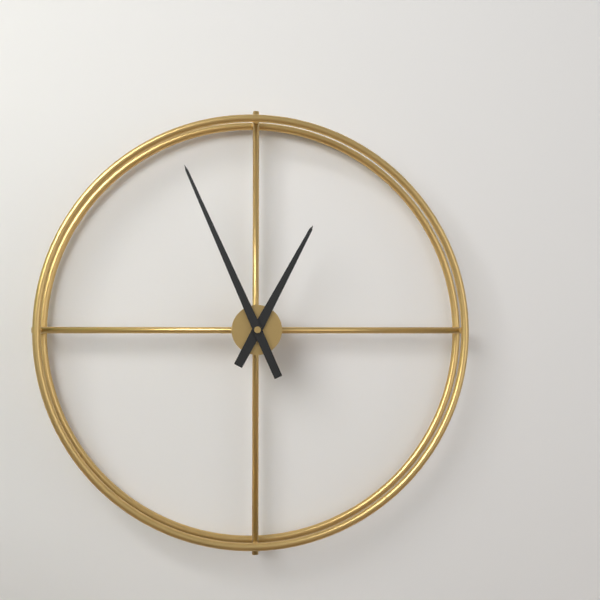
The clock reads 12,56
